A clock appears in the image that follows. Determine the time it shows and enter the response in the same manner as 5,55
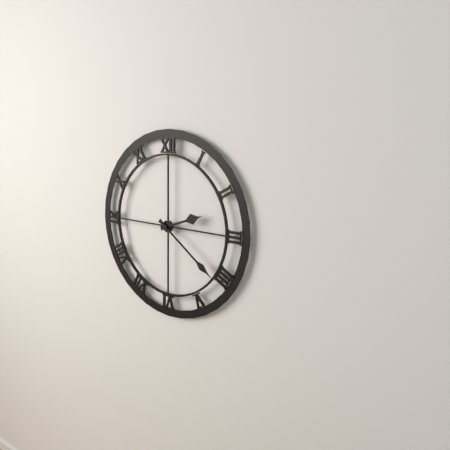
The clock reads 2,21
